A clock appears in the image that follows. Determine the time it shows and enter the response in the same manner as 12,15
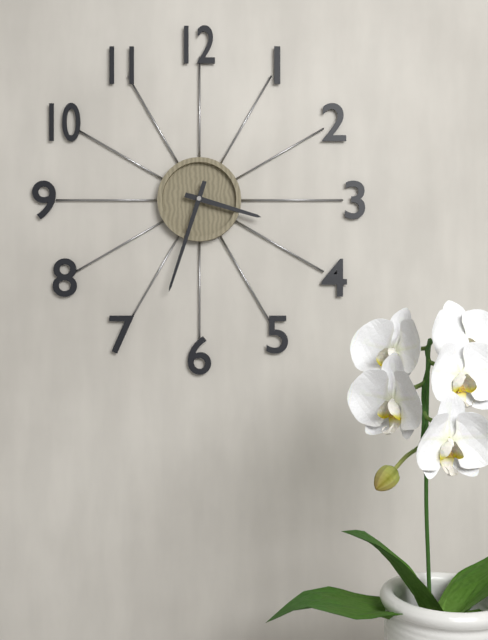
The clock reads 3,33
